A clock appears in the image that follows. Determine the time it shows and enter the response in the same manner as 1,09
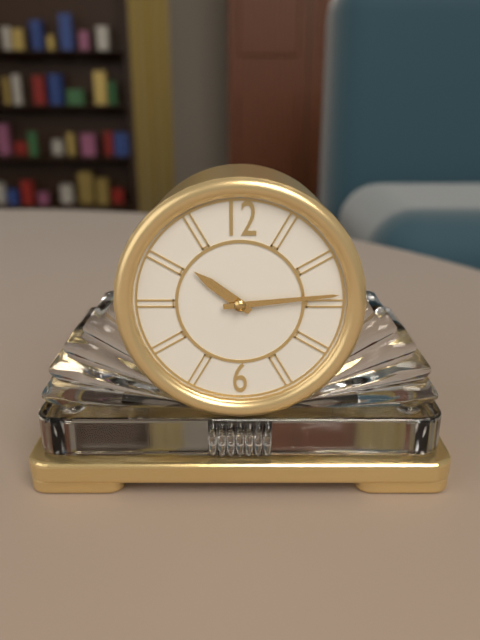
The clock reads 10,14
